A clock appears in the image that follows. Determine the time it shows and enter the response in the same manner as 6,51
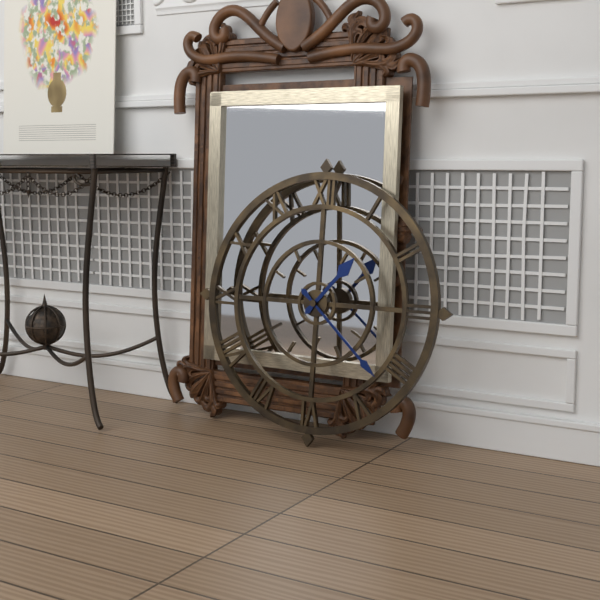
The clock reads 1,22
